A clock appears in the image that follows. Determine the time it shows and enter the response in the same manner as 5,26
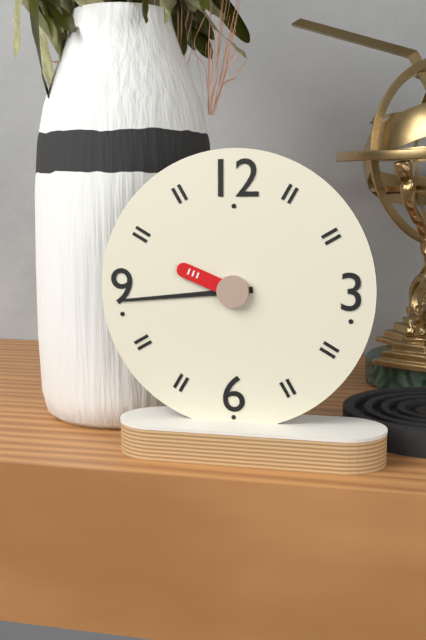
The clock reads 9,44
